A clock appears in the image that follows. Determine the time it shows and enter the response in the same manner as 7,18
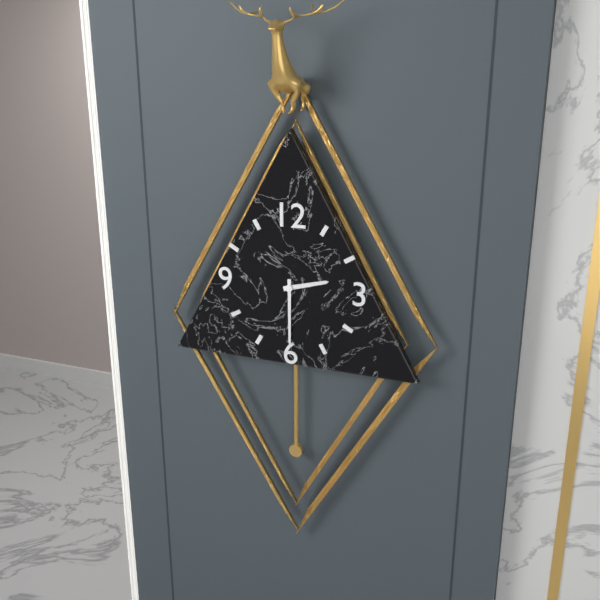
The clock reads 2,30
